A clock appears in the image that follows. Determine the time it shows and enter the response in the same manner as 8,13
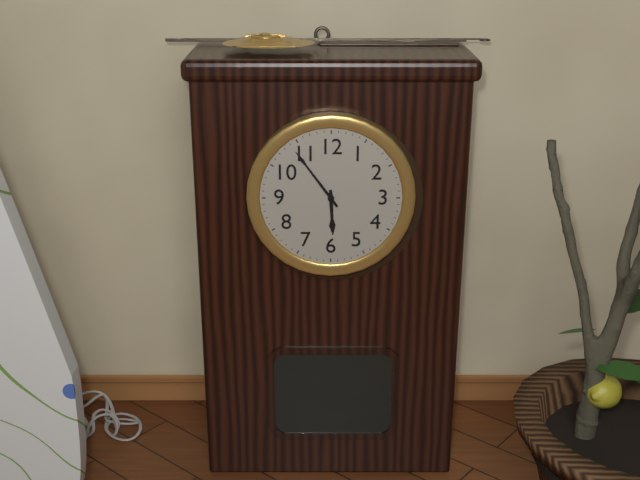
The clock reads 5,54
